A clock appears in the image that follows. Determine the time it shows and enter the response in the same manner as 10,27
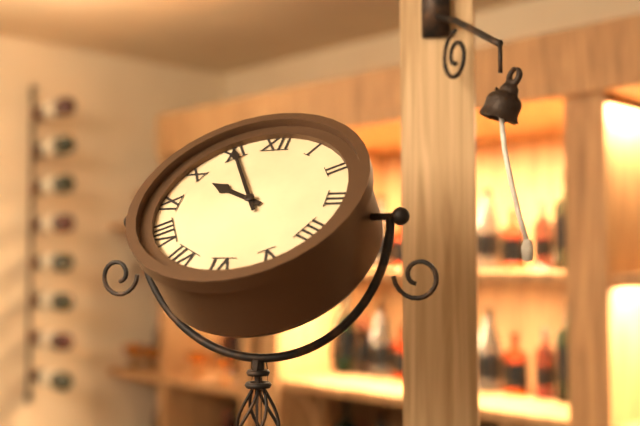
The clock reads 9,55
